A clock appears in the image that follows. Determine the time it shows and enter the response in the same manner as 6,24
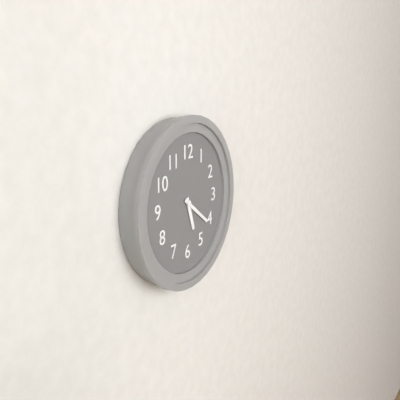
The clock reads 5,21
